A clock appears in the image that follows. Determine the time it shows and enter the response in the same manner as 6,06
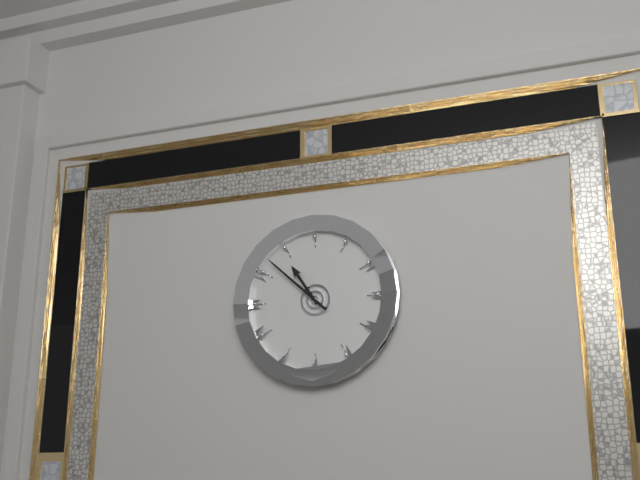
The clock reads 10,52
